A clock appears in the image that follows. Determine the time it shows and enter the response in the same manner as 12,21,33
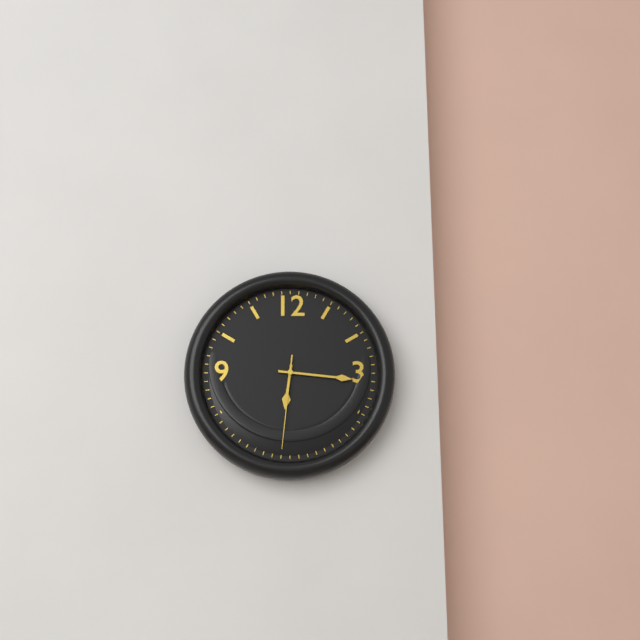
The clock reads 6,16,31
